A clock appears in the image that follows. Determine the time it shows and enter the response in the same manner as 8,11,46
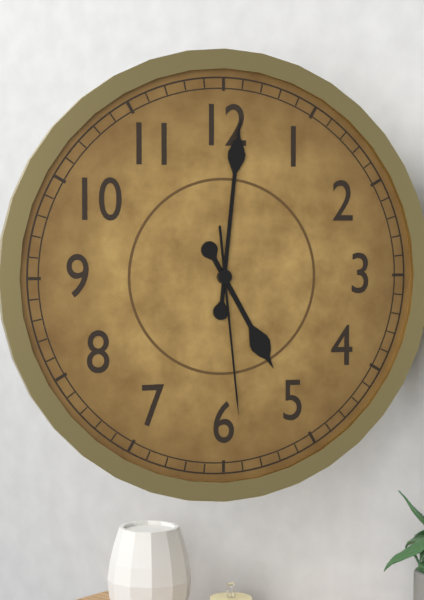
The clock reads 5,01,29
